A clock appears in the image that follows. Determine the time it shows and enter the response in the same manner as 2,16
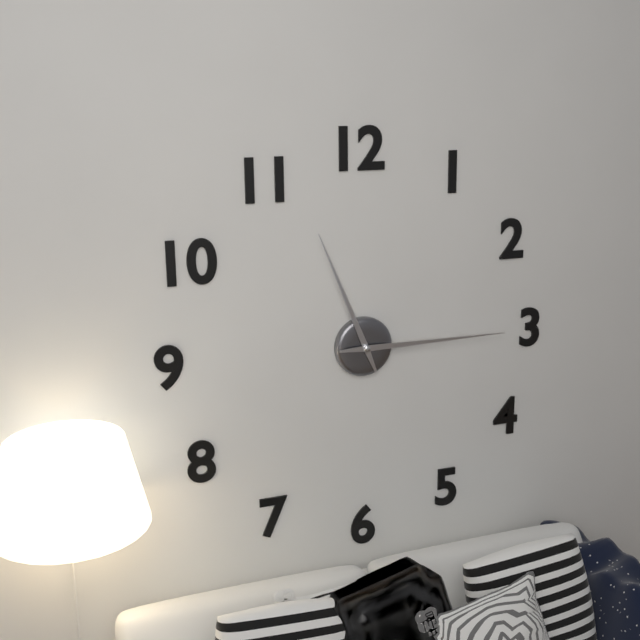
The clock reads 11,15
